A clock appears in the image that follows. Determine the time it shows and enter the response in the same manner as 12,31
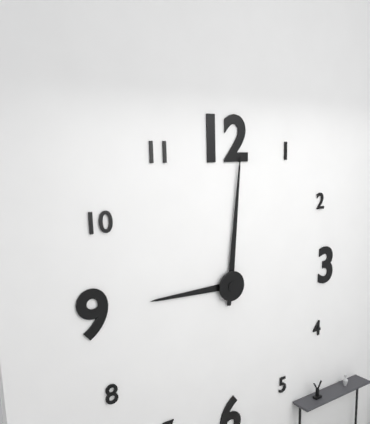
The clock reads 9,01
